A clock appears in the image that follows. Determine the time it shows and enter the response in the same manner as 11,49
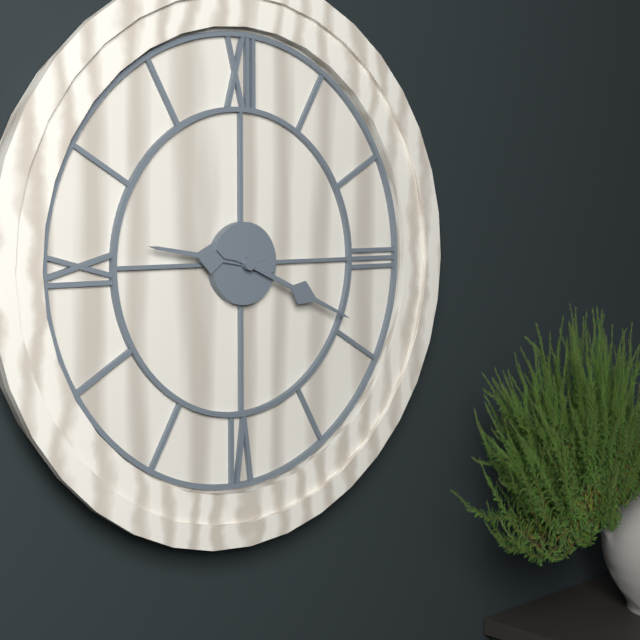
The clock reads 9,19
